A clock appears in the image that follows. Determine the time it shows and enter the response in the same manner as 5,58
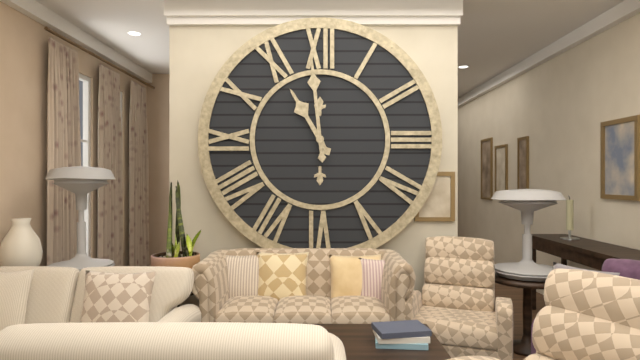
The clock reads 10,59
